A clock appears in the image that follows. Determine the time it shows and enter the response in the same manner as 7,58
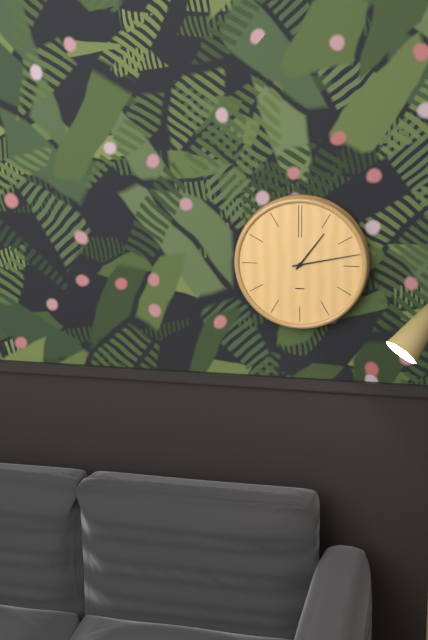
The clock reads 1,13
